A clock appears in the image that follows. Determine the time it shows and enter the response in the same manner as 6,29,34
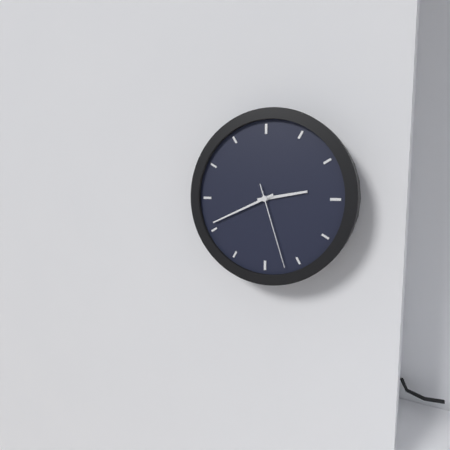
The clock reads 2,41,27
